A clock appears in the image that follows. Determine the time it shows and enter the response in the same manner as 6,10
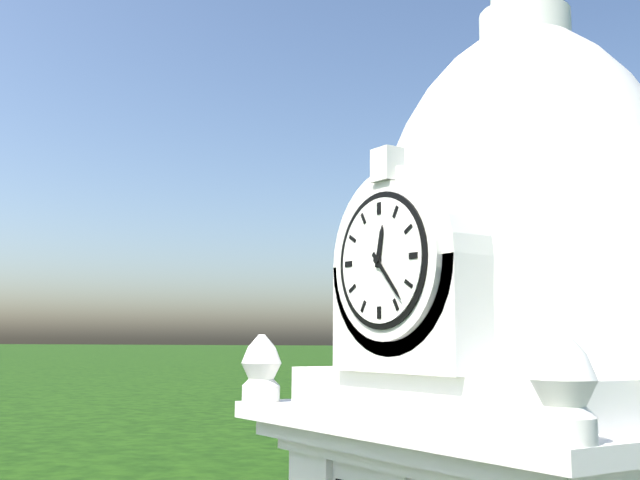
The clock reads 12,23
